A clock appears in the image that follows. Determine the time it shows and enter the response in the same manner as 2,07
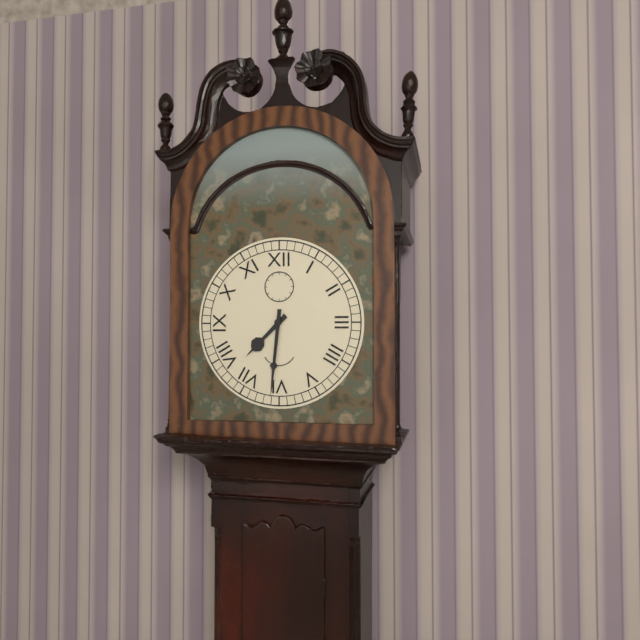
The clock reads 7,31
